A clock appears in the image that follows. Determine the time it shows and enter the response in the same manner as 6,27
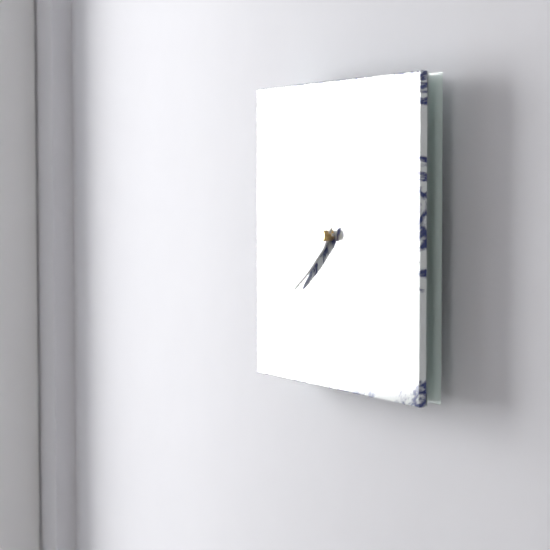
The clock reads 8,38
